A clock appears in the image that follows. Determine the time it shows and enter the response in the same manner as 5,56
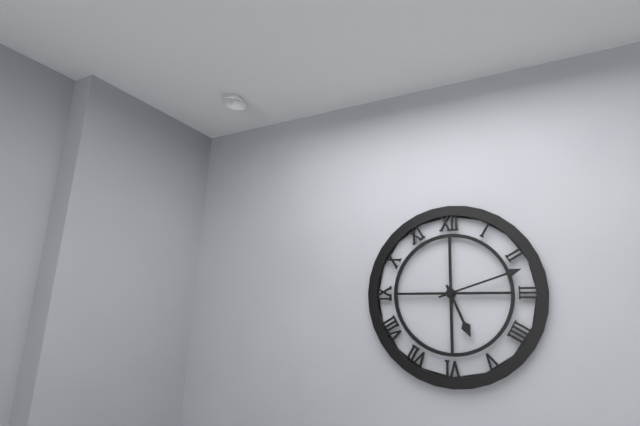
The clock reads 5,12
